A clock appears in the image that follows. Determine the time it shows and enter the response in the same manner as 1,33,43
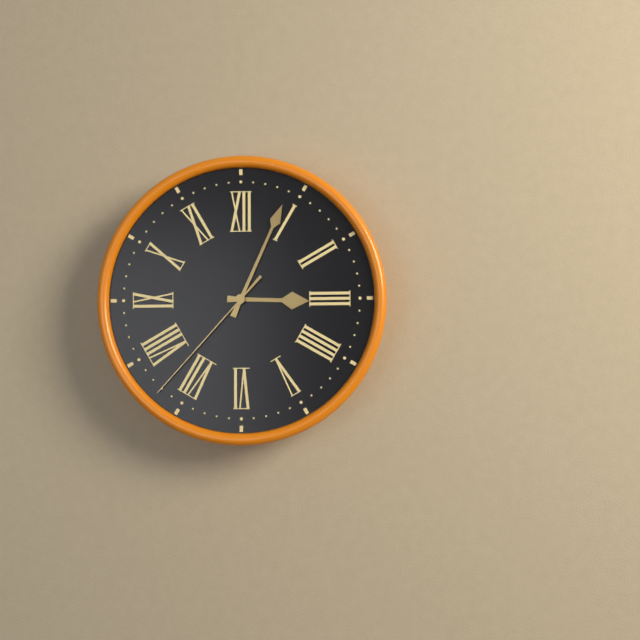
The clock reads 3,04,37
